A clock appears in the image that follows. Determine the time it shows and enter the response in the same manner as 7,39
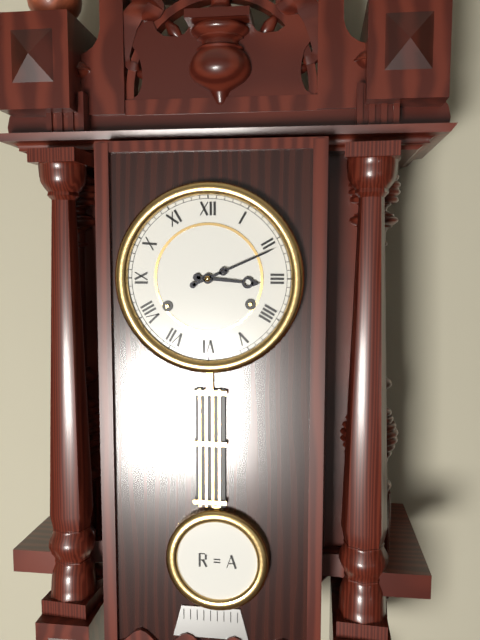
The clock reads 3,11
